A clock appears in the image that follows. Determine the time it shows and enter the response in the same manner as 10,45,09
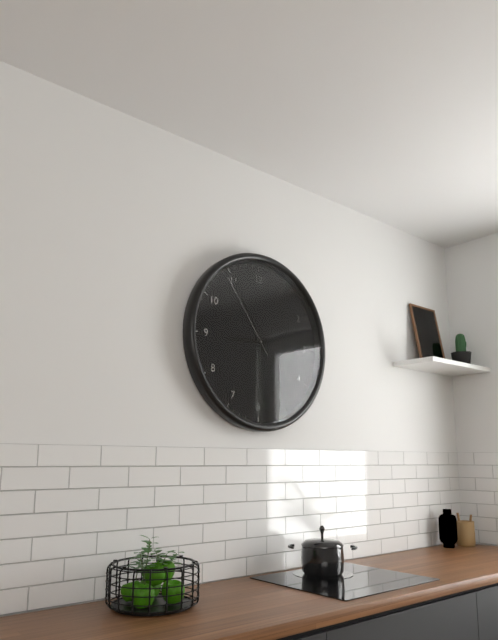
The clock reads 8,55,54
